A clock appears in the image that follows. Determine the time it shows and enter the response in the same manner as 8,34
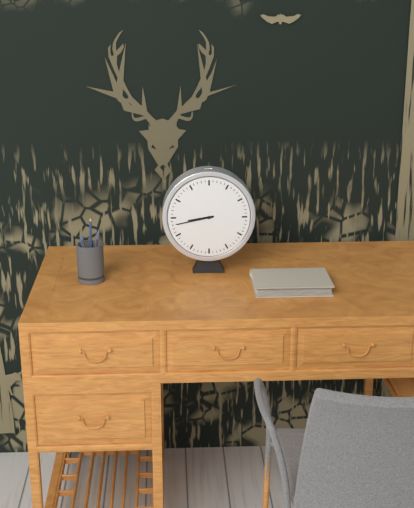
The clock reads 8,43
